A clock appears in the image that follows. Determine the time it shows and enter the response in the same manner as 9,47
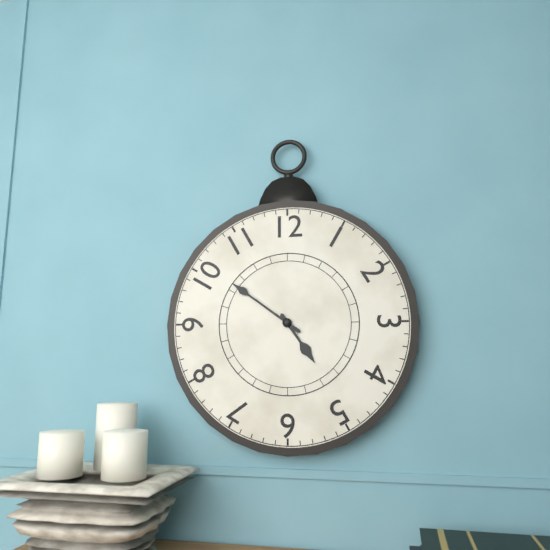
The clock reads 4,51
